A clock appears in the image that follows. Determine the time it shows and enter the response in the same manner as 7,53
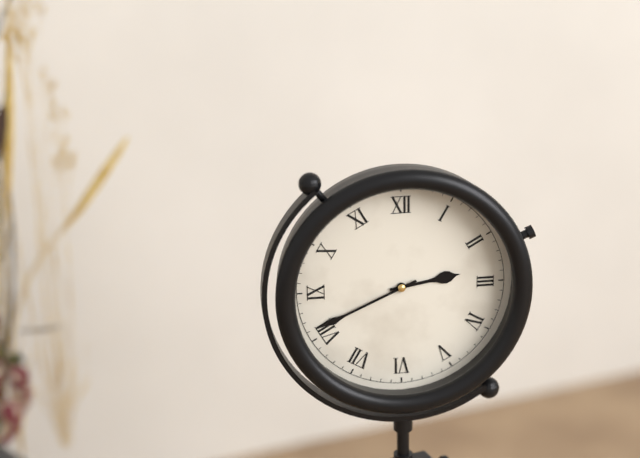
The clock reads 2,41
